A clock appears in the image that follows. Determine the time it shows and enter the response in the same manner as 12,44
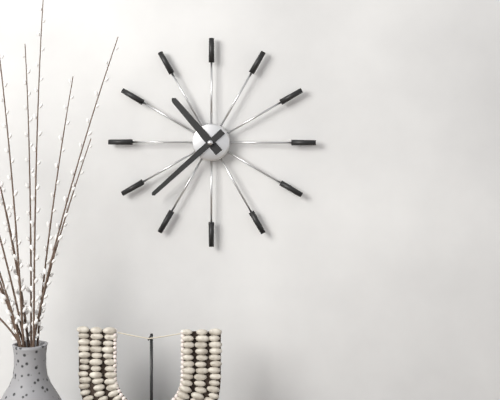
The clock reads 10,38
